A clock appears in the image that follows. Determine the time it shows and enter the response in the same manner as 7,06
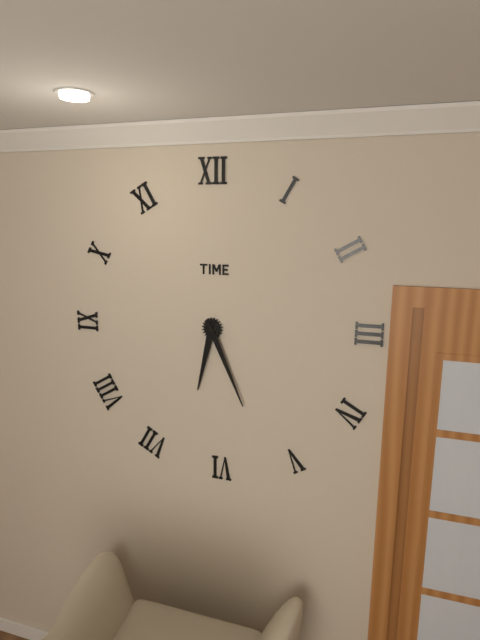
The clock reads 6,26
